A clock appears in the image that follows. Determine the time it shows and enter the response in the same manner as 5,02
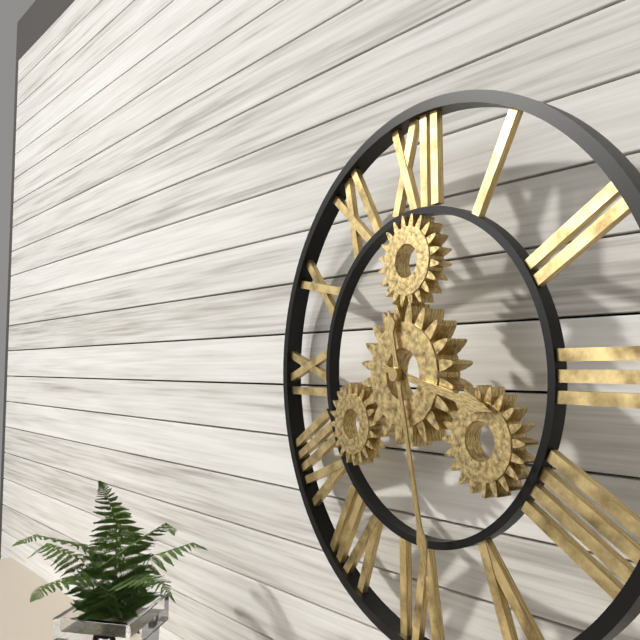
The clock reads 3,28
